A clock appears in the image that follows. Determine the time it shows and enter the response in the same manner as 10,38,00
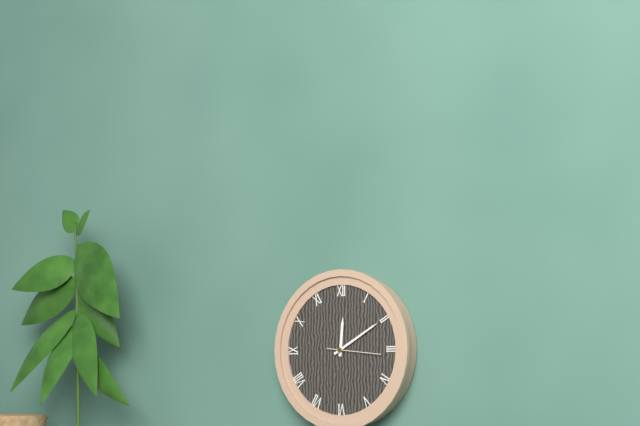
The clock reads 12,10,16
